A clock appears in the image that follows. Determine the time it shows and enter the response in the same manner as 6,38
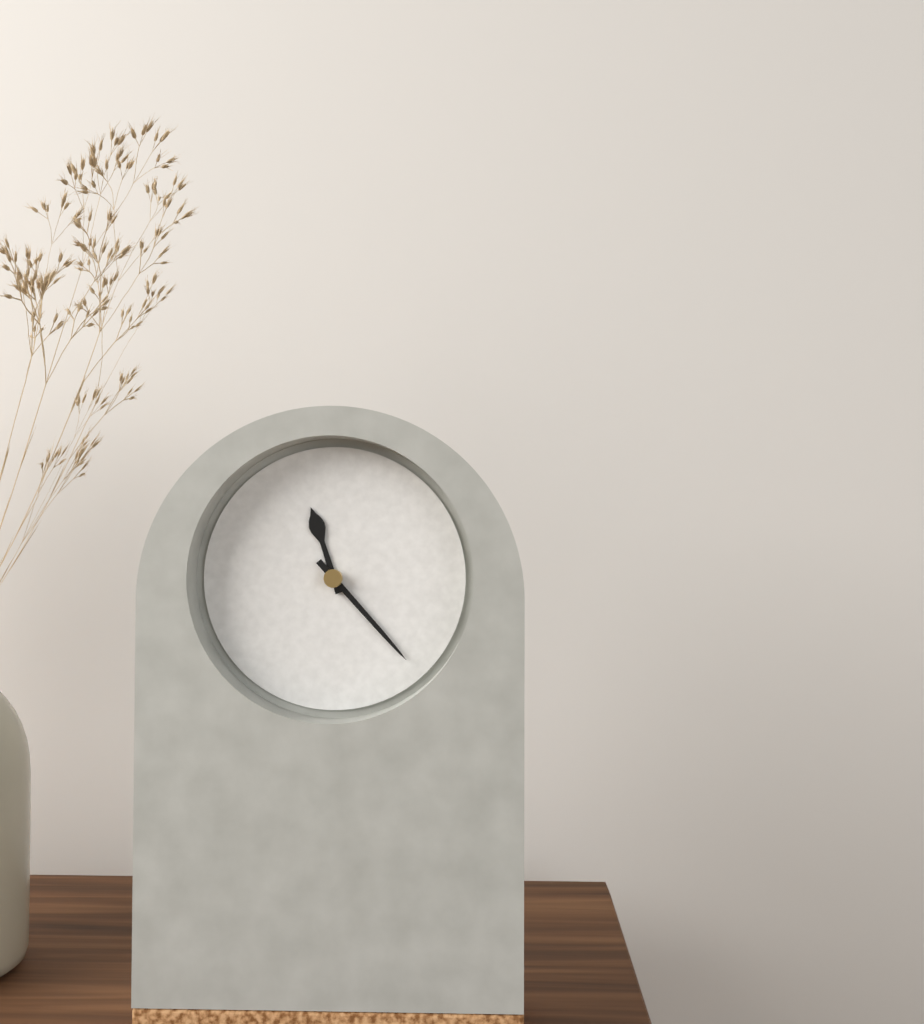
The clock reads 11,23
